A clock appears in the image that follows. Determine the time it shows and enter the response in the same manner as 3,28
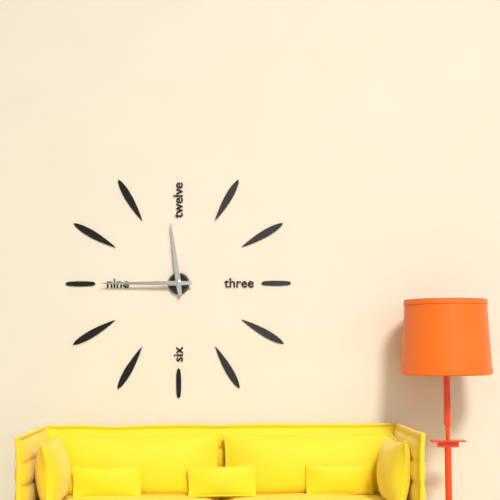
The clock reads 11,45
